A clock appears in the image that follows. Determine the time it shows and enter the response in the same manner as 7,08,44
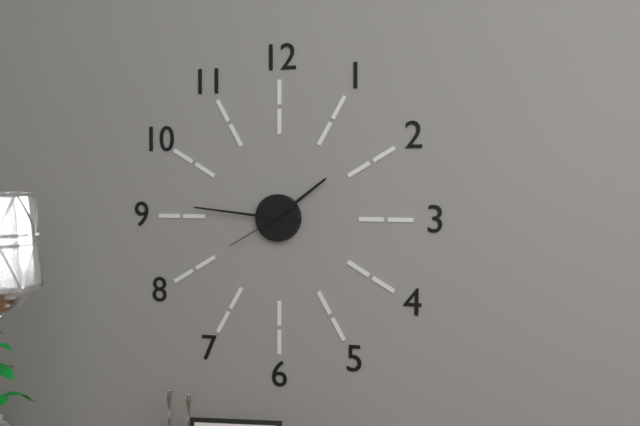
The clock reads 1,46,40
